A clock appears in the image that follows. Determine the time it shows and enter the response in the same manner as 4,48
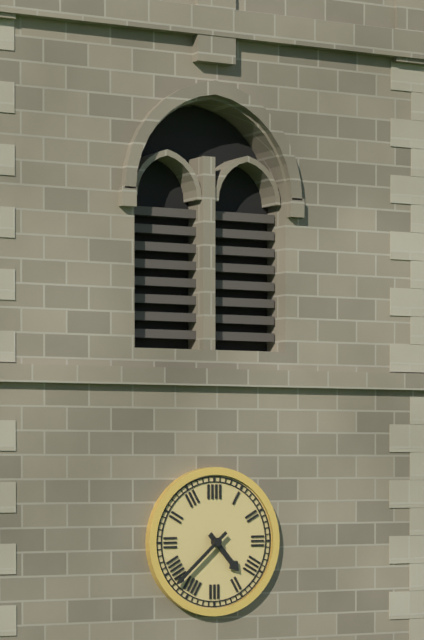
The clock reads 4,38
